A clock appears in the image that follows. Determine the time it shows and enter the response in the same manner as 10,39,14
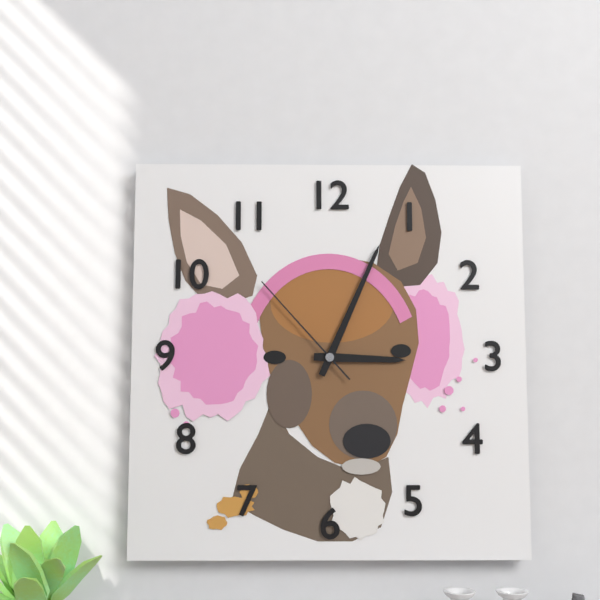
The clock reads 3,04,53
